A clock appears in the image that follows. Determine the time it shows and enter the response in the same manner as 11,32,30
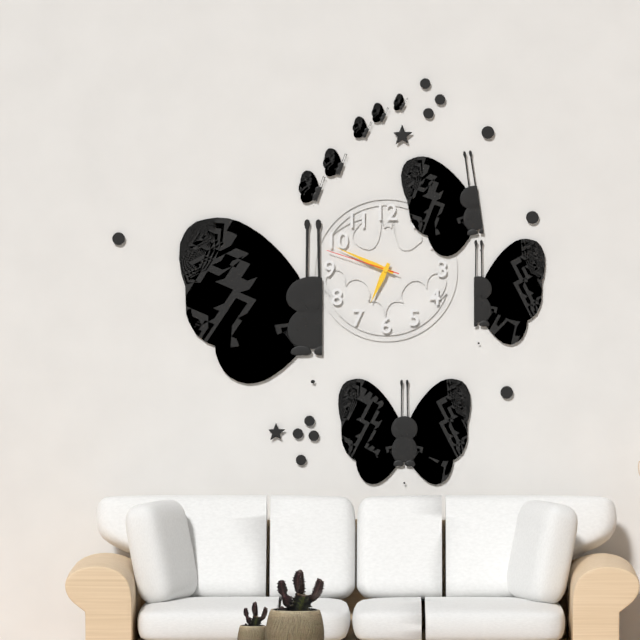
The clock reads 6,49,48
